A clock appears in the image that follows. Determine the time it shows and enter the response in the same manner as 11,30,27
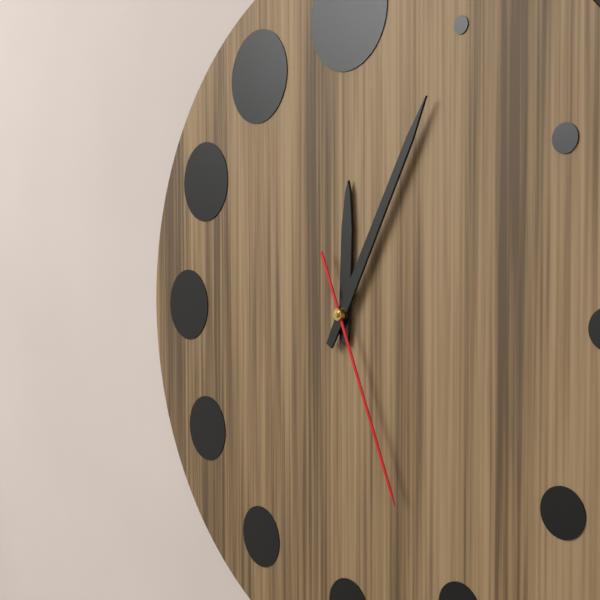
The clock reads 12,05,26
